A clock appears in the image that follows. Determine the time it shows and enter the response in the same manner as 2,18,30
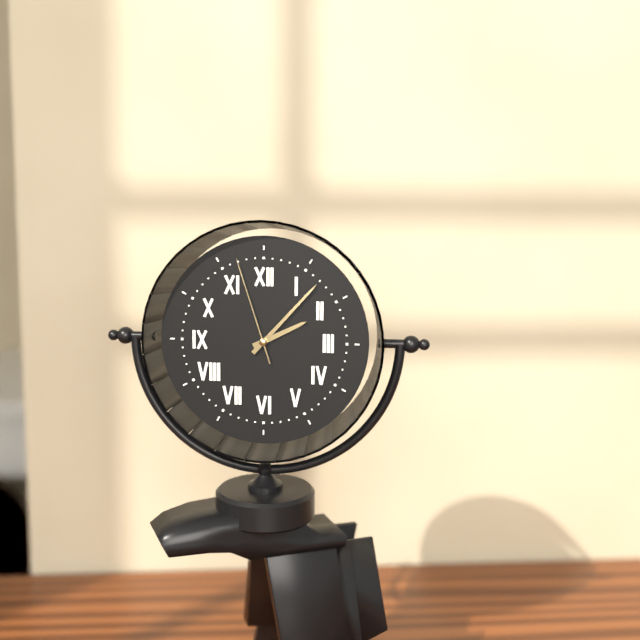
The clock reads 2,07,57
